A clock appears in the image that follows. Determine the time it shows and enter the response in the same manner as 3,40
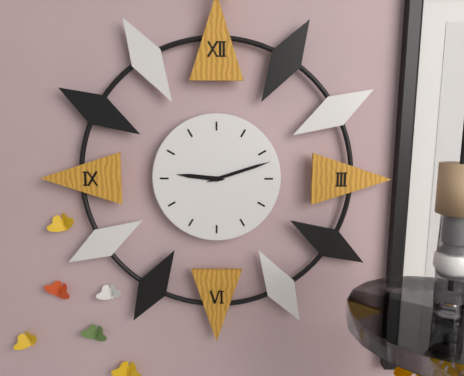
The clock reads 9,12
